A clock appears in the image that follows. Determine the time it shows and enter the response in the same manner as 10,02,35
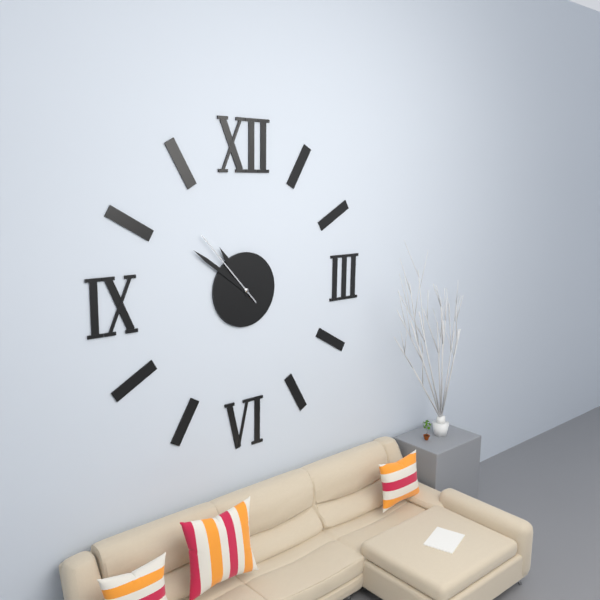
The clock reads 10,51,53
